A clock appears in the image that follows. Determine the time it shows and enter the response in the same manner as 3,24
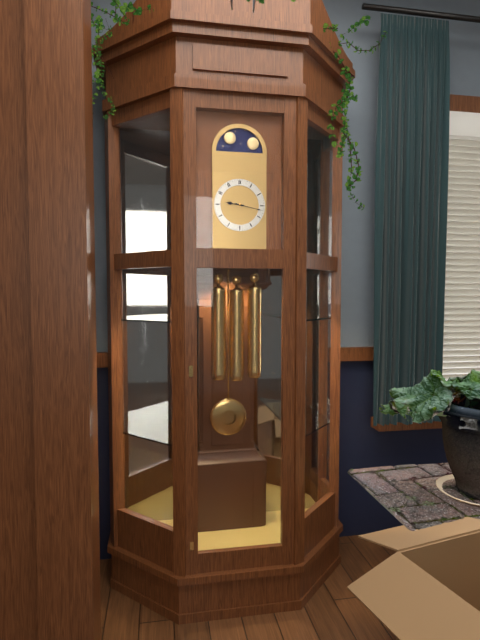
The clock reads 9,17
